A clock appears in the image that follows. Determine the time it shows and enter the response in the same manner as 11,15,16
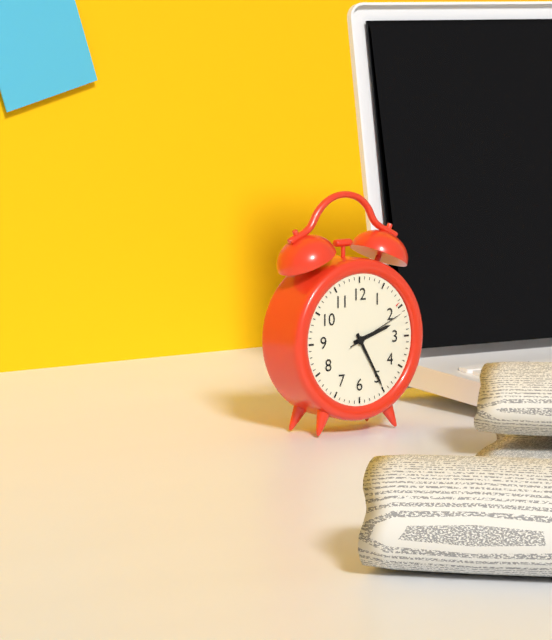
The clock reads 2,25,11
